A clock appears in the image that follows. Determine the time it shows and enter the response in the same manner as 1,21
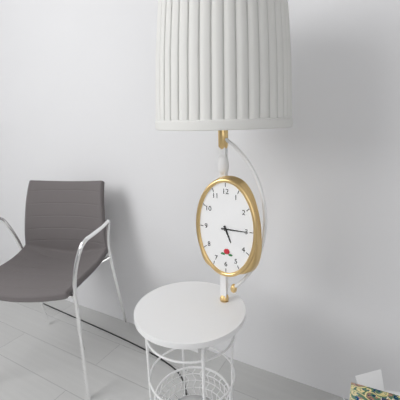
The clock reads 5,15
